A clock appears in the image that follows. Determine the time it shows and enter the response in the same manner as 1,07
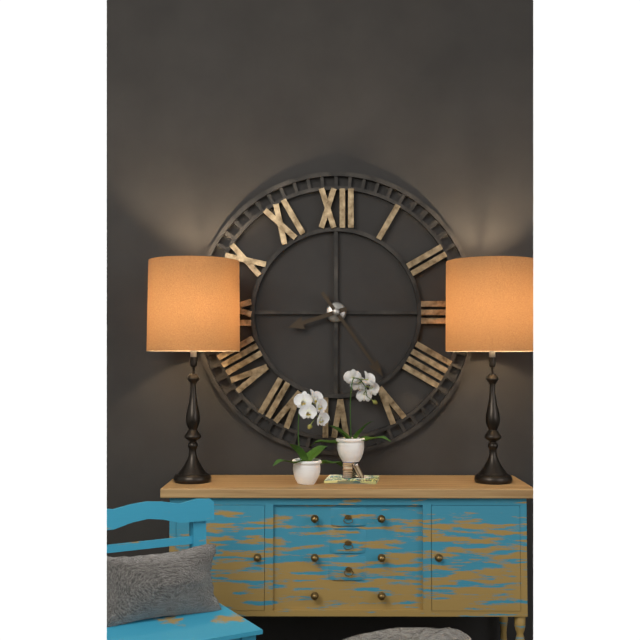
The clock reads 8,24
